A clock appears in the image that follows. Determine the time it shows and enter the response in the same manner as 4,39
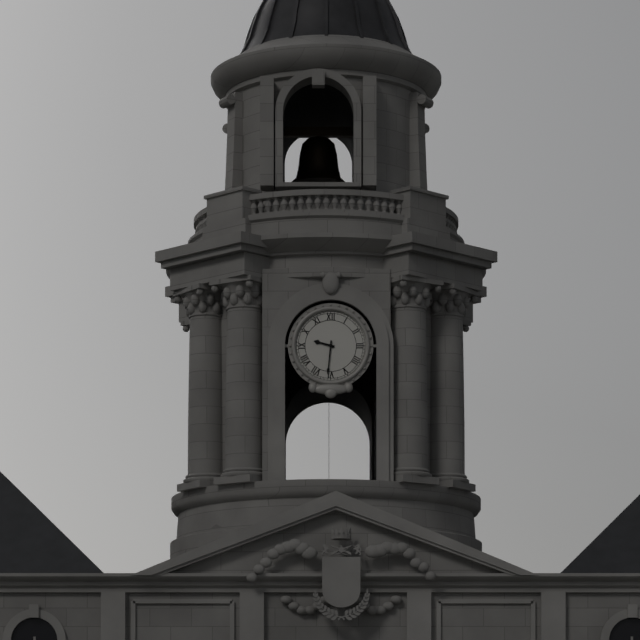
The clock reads 9,31
